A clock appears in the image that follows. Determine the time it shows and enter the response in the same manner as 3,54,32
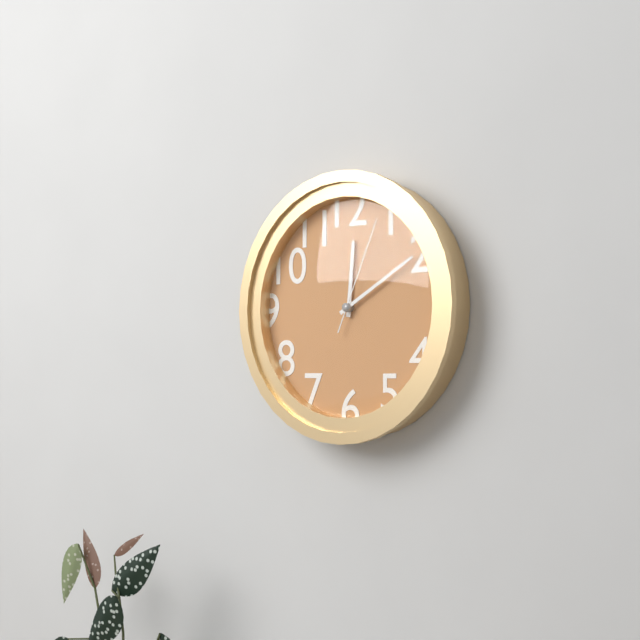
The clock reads 12,10,04
